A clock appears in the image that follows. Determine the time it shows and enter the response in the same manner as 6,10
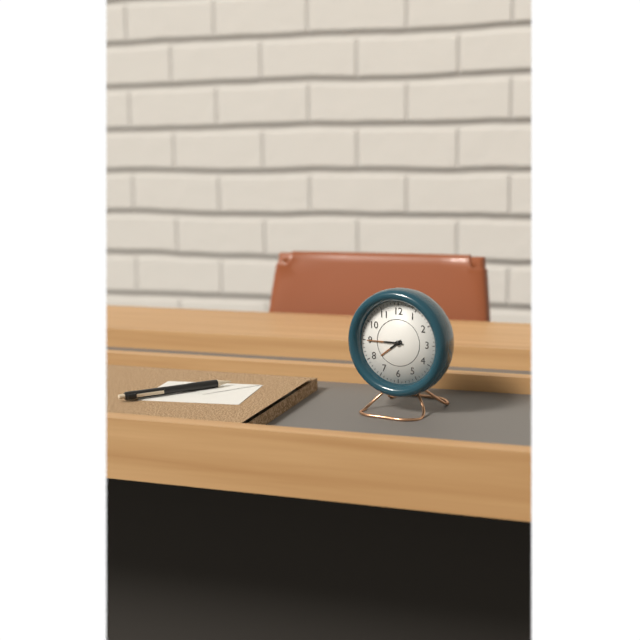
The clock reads 7,45
